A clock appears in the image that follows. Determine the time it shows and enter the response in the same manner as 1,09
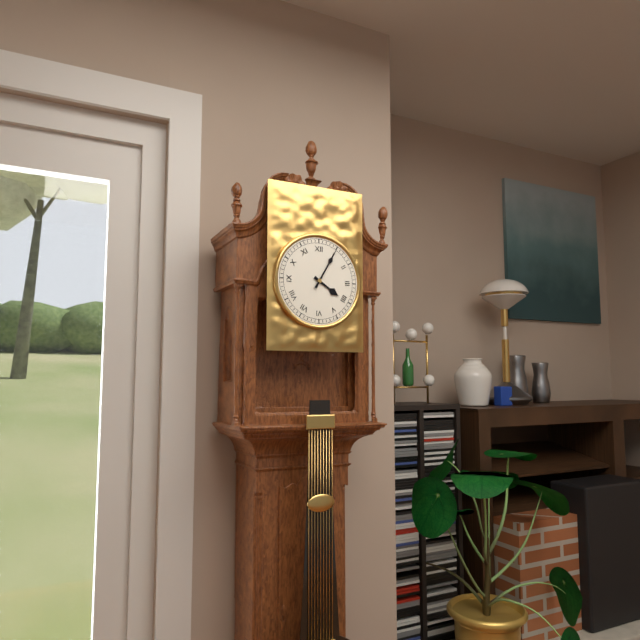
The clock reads 4,05
